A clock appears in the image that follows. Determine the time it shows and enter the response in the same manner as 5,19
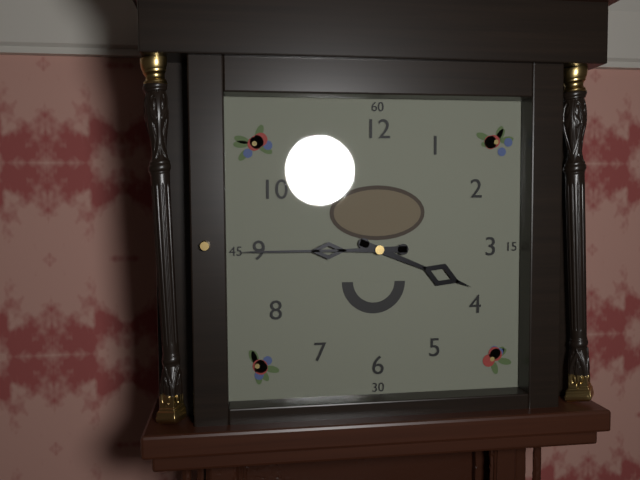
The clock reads 3,45
